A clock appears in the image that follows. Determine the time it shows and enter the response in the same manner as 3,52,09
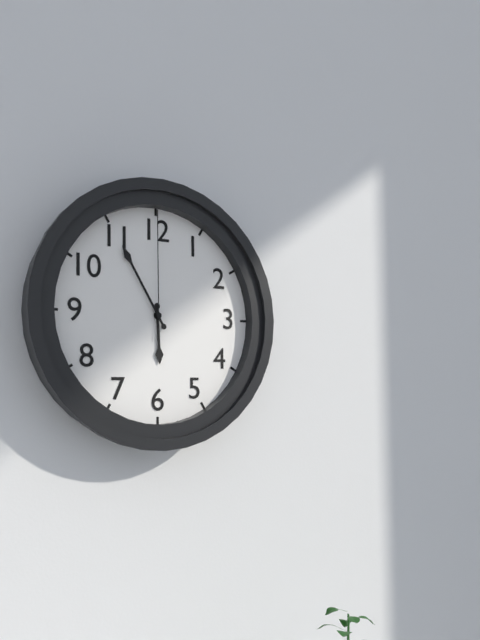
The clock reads 5,55,00
